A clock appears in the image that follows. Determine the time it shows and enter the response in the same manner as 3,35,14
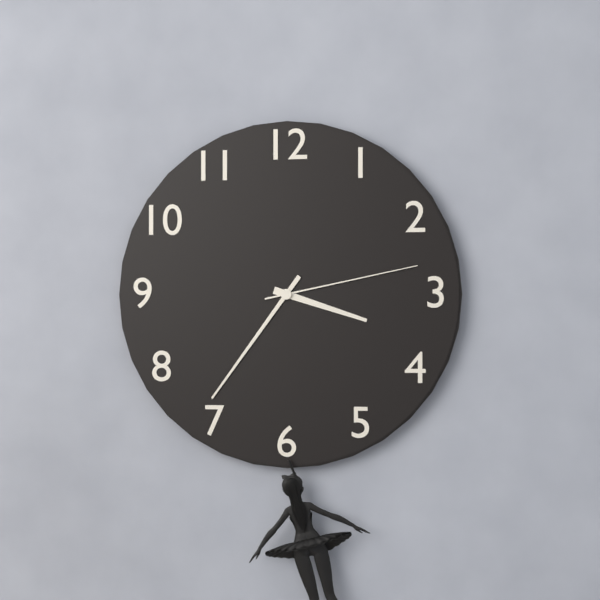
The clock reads 3,36,13
